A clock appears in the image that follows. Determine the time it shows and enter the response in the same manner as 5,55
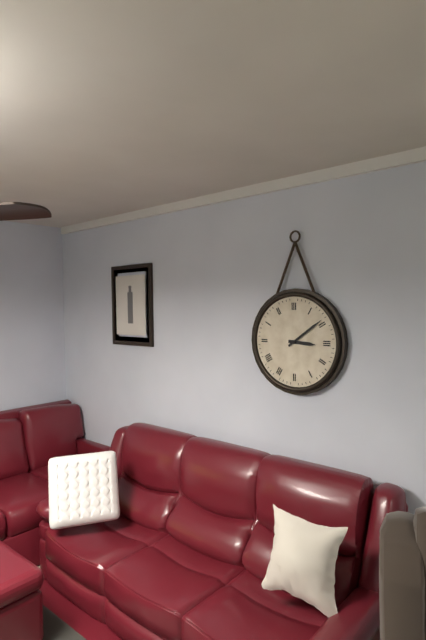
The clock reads 3,09
